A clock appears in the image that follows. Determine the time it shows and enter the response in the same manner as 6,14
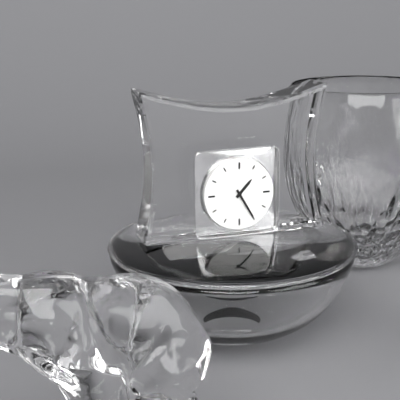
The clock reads 1,25
